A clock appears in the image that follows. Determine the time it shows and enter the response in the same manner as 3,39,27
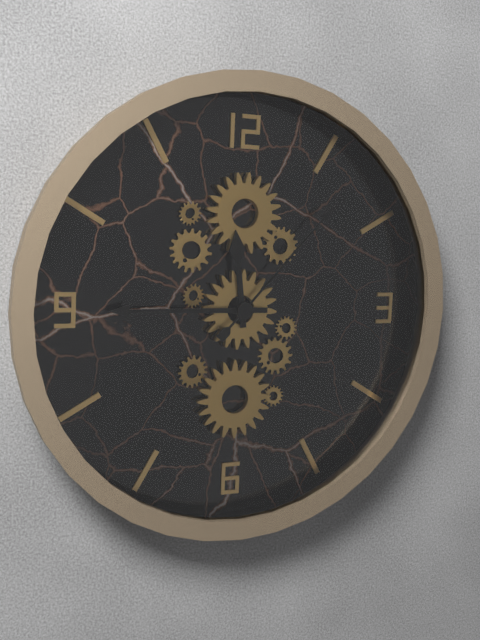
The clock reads 11,45,07
